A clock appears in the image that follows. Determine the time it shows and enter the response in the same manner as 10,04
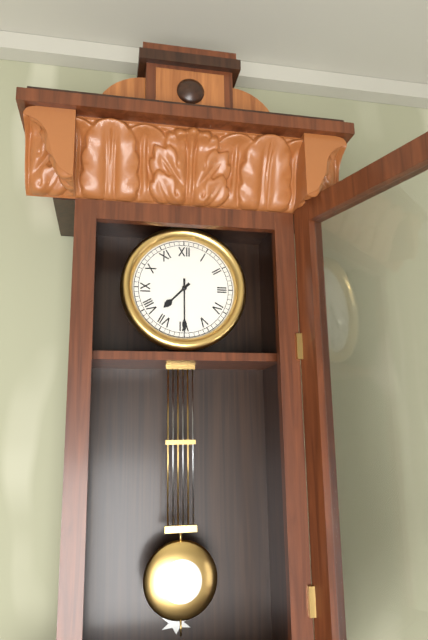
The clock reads 7,30
